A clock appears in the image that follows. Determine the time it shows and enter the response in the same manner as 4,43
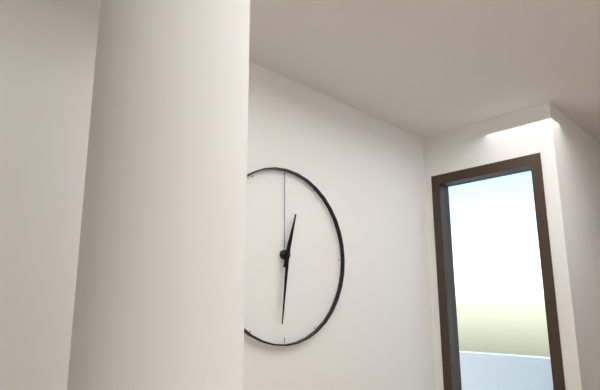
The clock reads 12,31
